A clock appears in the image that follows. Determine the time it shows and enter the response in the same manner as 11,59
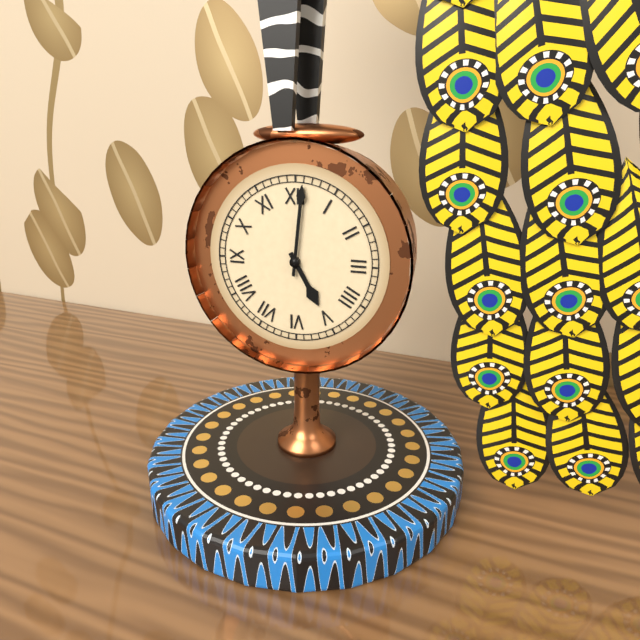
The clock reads 5,01
